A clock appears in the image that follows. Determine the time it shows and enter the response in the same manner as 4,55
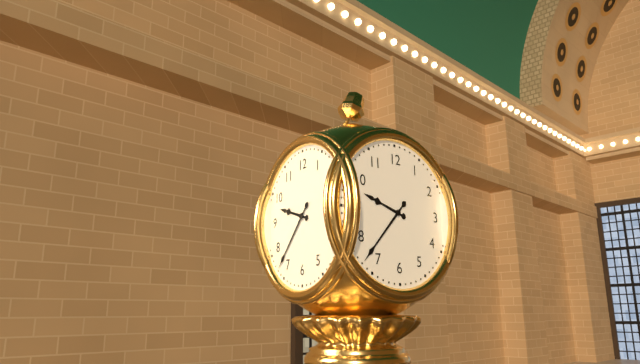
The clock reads 9,37
